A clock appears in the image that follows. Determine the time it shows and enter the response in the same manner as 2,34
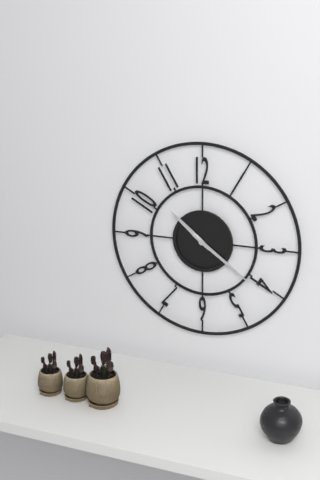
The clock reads 10,21
